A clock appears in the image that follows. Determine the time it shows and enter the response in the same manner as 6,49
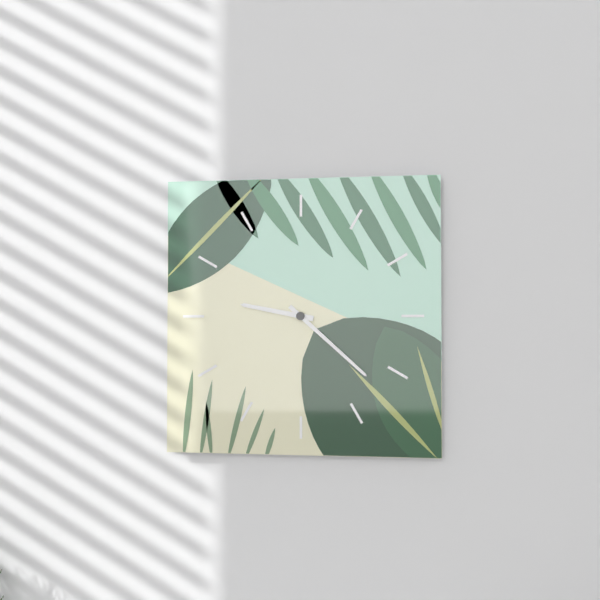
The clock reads 9,22
